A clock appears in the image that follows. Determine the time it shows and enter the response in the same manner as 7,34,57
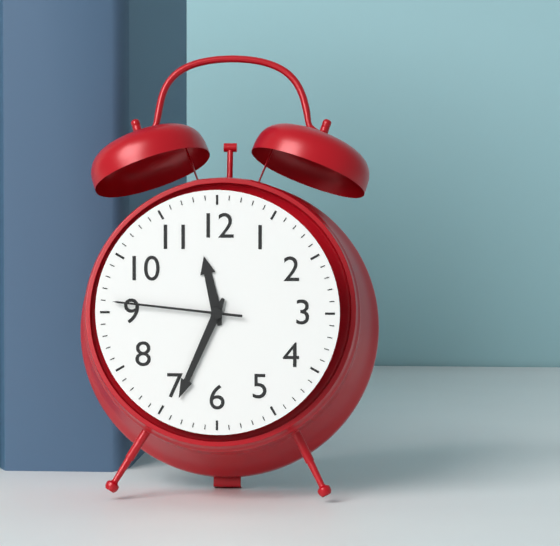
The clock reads 11,34,46
